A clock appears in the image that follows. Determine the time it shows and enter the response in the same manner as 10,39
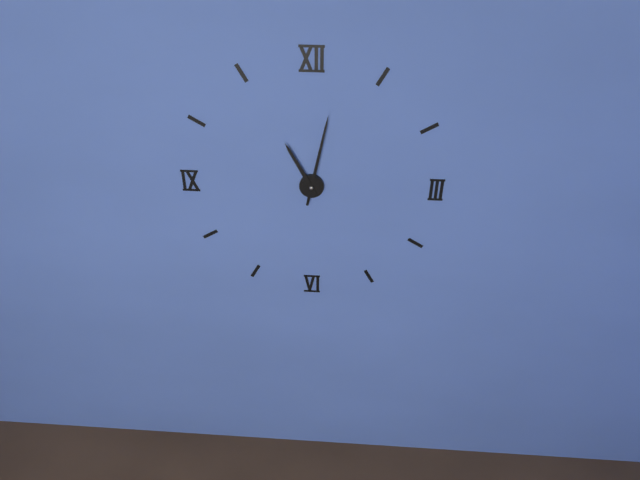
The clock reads 11,02
